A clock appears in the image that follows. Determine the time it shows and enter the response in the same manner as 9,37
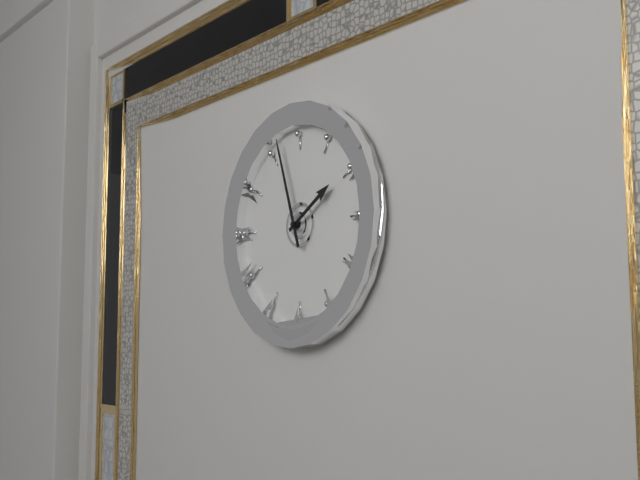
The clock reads 1,57
